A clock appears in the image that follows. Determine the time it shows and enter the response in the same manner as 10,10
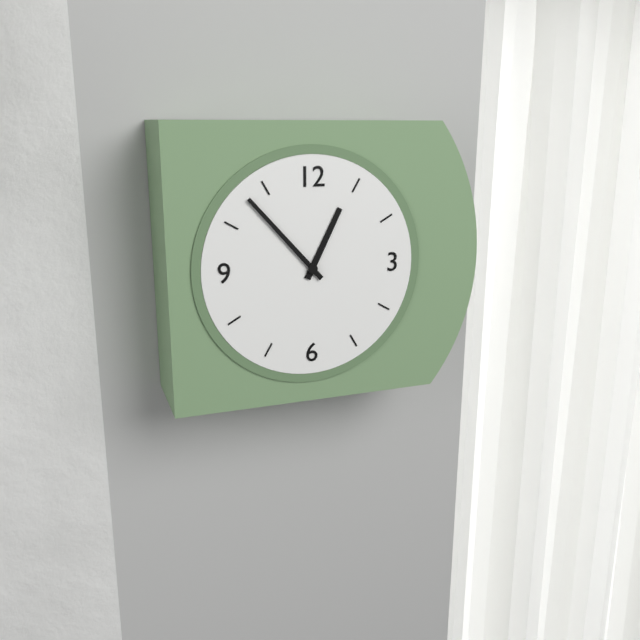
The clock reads 12,53
